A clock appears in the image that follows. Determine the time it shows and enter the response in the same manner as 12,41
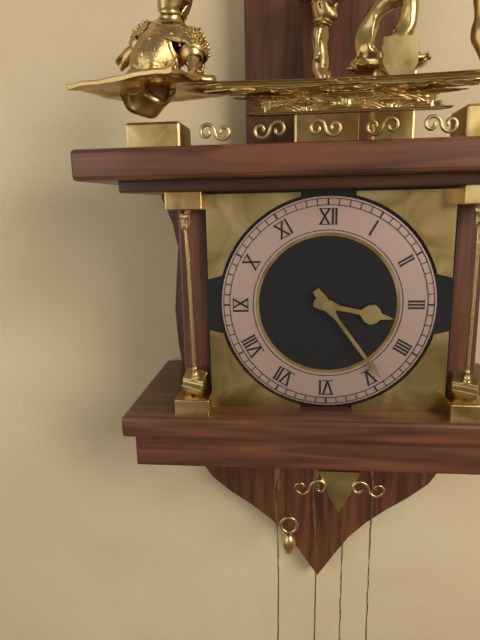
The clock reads 3,24
